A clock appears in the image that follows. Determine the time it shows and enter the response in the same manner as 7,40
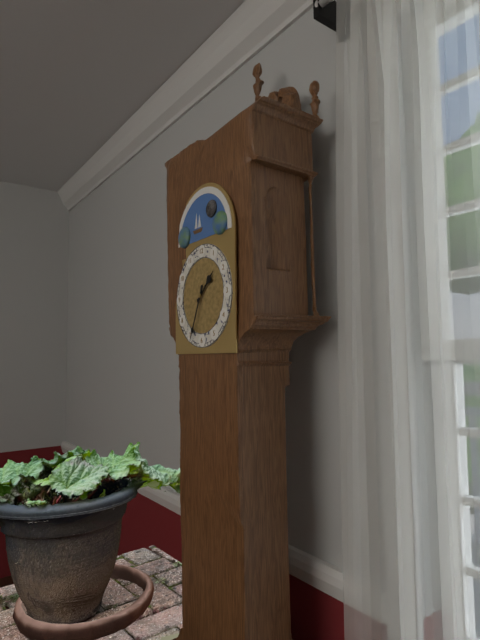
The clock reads 1,34
